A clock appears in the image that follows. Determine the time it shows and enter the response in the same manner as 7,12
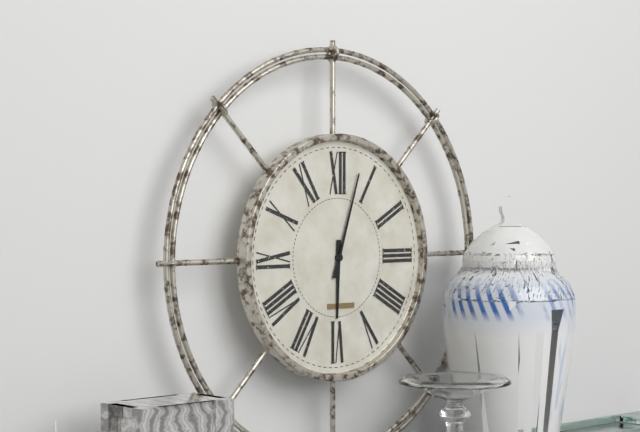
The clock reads 6,03
